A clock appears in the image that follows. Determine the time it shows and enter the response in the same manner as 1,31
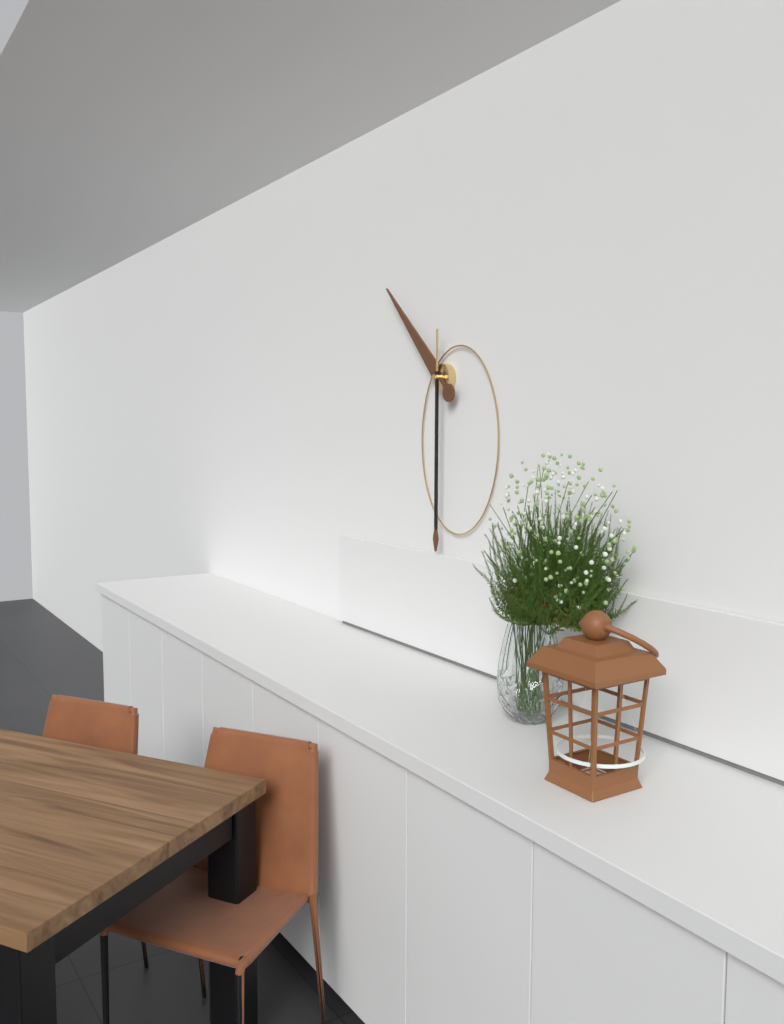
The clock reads 10,30
